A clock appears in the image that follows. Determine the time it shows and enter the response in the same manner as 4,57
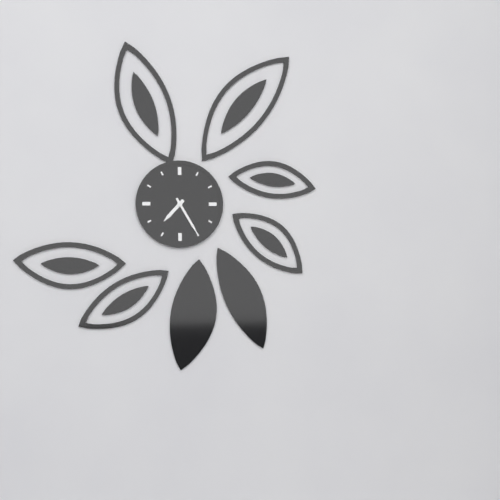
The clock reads 7,25
